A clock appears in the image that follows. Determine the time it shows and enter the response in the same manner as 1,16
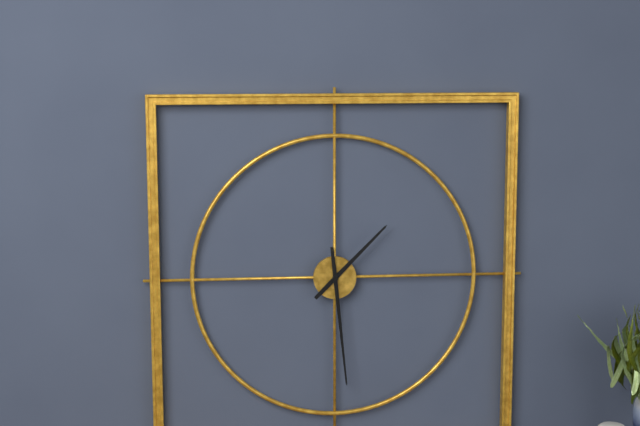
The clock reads 1,29
